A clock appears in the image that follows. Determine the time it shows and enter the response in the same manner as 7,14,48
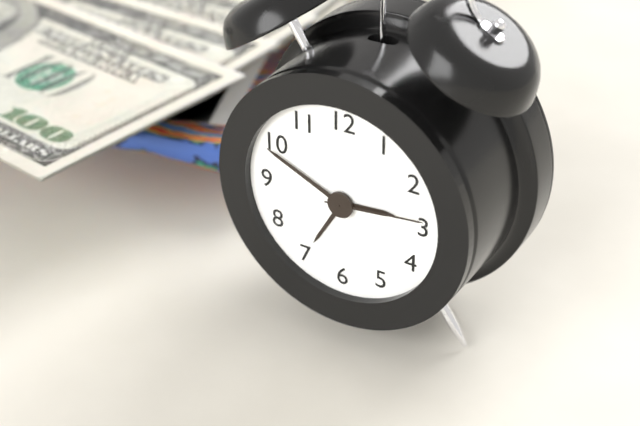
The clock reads 2,49,14
